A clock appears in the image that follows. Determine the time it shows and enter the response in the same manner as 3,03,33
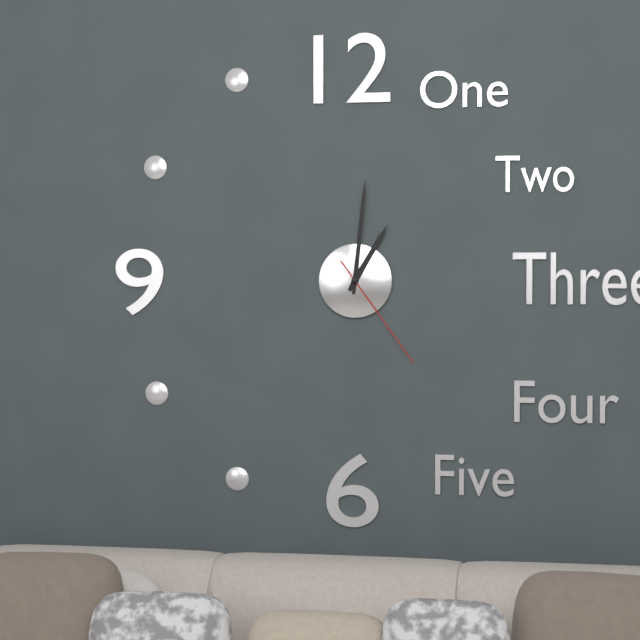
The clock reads 1,01,24
